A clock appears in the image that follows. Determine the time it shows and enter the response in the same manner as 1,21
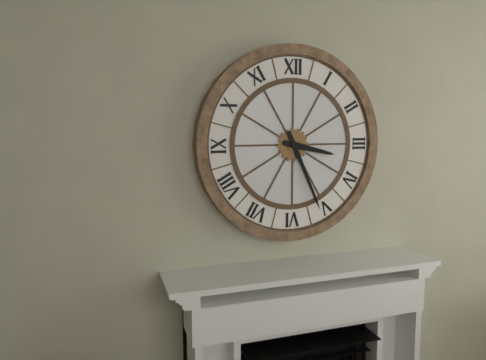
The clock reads 3,26
